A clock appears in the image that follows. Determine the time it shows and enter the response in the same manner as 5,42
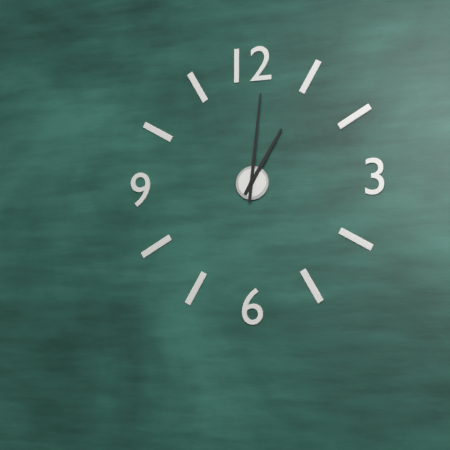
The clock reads 1,01
